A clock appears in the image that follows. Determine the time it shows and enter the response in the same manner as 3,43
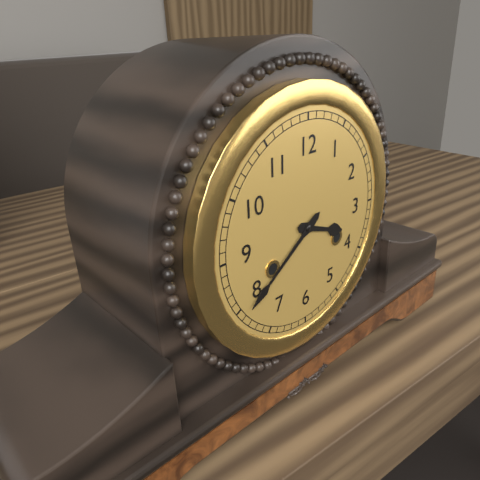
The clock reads 3,39
